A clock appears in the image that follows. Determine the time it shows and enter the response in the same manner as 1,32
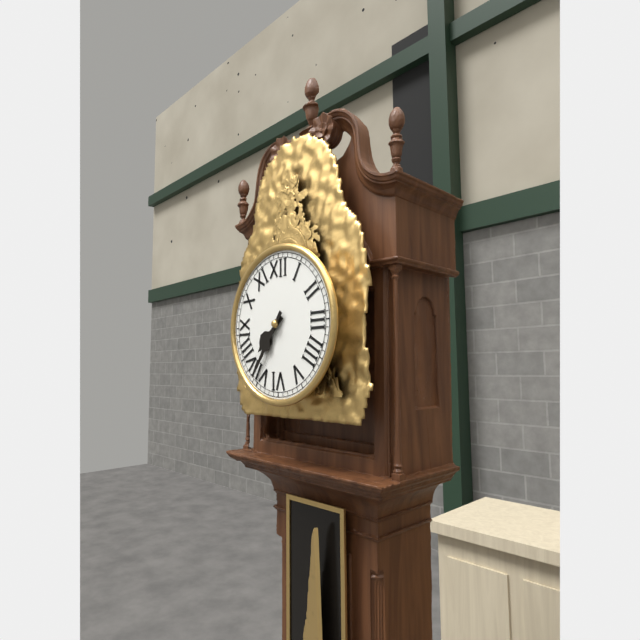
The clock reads 7,36
